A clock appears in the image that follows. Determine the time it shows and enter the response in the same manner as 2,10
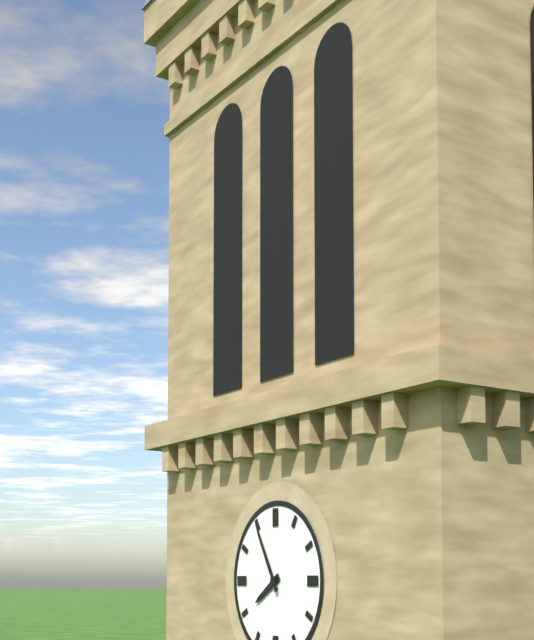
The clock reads 7,55
